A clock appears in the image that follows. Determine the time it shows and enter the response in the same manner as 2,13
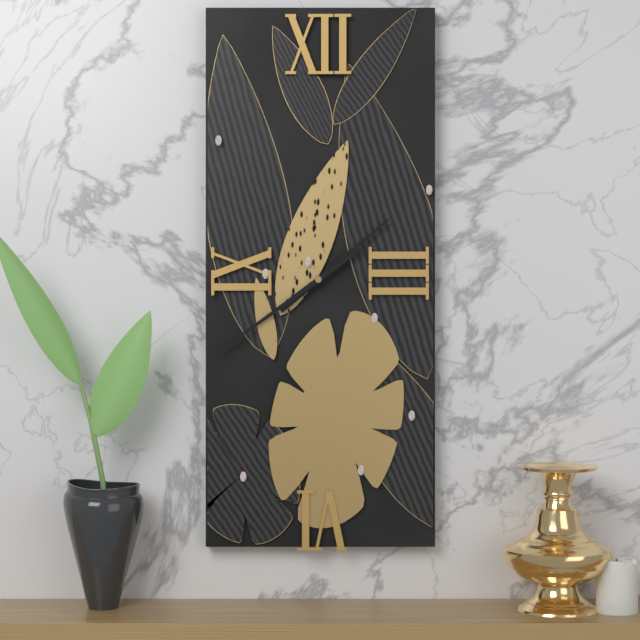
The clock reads 1,39
